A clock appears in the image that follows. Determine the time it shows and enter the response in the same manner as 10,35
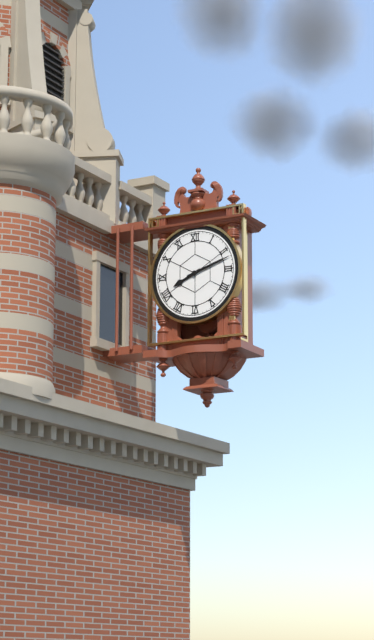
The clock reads 8,12
